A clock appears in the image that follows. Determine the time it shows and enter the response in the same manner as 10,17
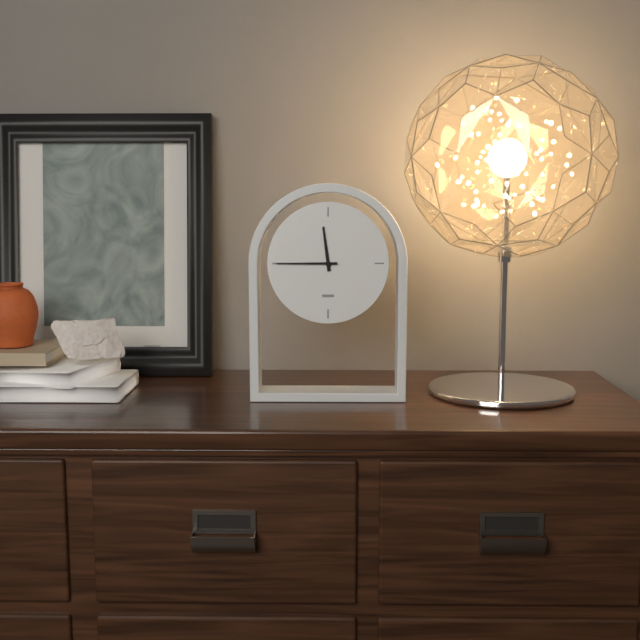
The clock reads 11,45
